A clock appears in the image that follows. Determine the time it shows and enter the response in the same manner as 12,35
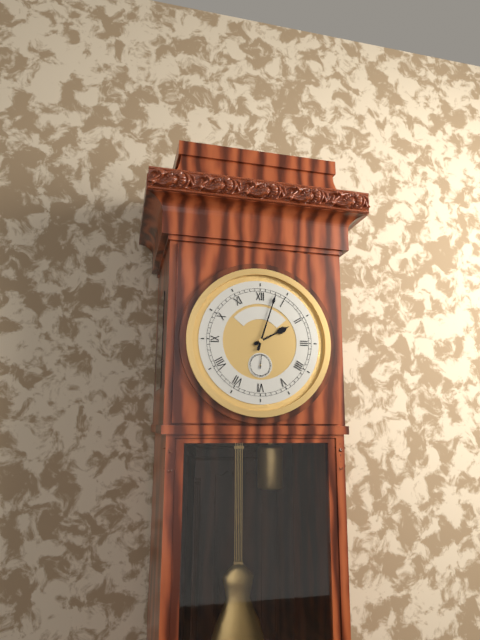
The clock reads 2,03
